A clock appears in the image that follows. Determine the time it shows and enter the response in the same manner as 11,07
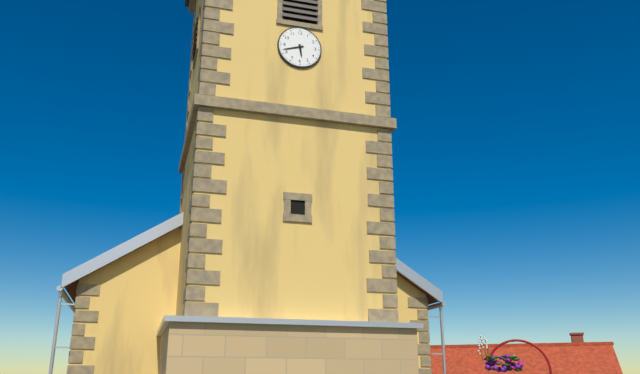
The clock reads 5,42
